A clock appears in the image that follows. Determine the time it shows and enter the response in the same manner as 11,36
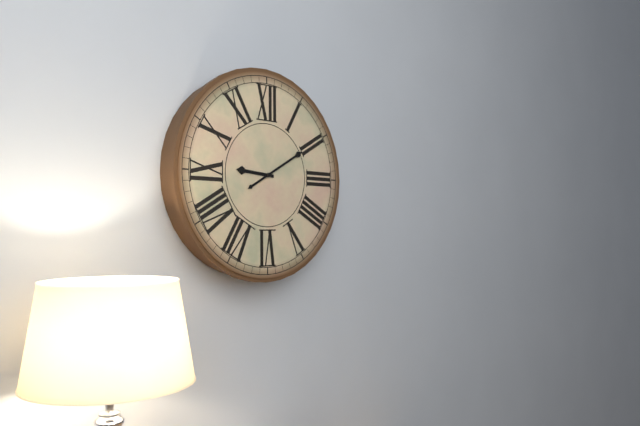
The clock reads 9,10
